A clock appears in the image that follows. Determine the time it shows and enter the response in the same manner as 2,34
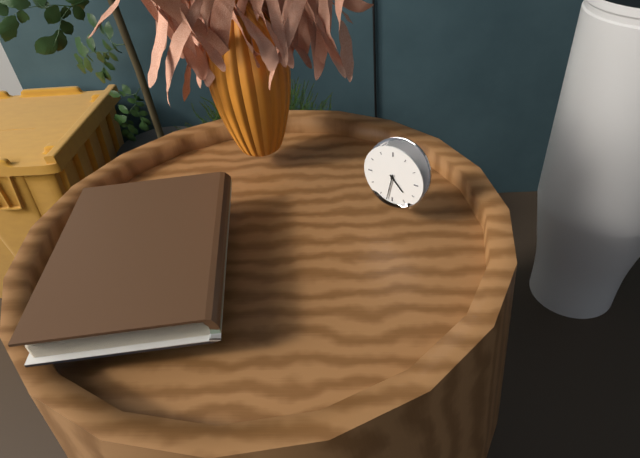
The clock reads 4,32
